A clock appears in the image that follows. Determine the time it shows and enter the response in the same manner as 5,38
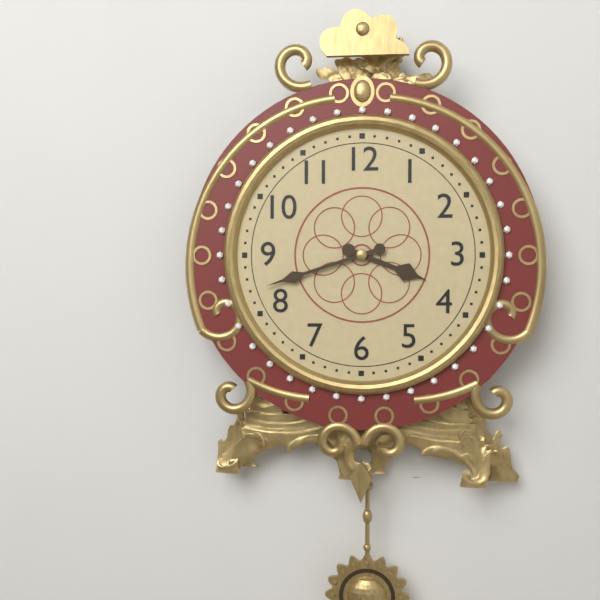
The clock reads 3,42
